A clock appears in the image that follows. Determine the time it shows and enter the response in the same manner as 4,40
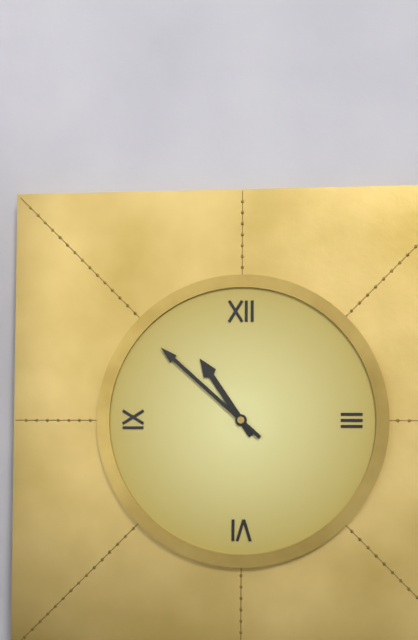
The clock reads 10,52
